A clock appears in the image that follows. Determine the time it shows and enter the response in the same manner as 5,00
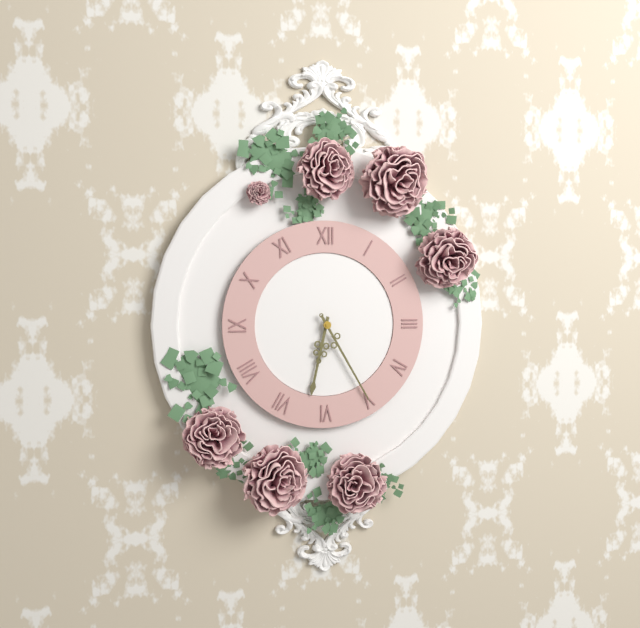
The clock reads 6,25
